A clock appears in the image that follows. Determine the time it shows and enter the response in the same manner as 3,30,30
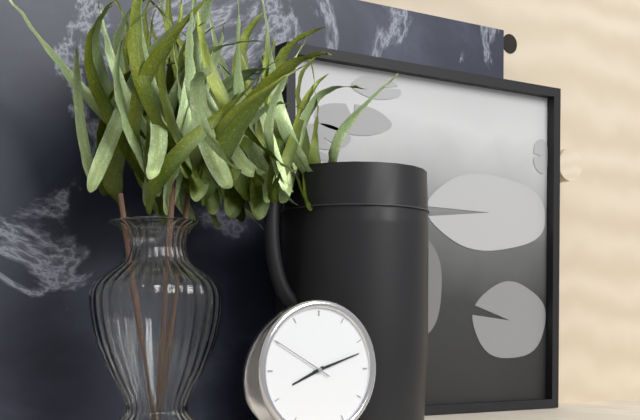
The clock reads 8,12,50
